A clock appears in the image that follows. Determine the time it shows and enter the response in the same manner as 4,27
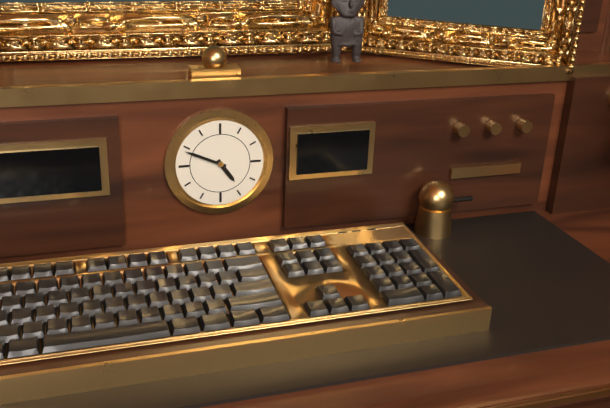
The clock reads 4,49
